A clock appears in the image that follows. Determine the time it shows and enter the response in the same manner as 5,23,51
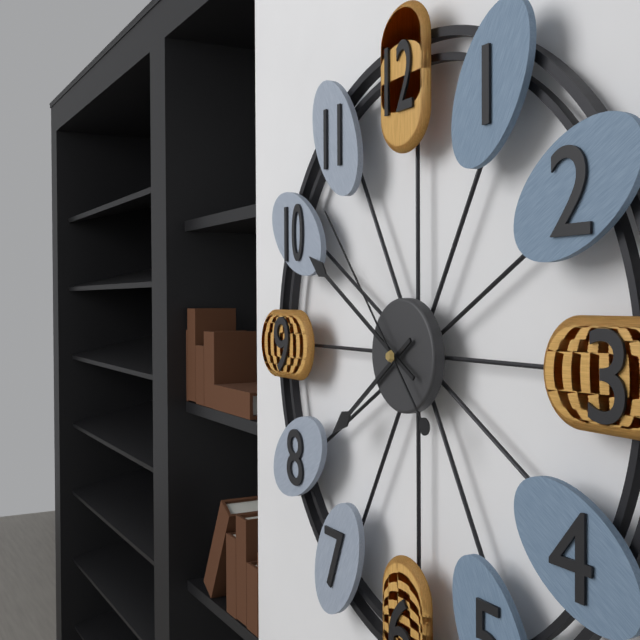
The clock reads 7,50,53
